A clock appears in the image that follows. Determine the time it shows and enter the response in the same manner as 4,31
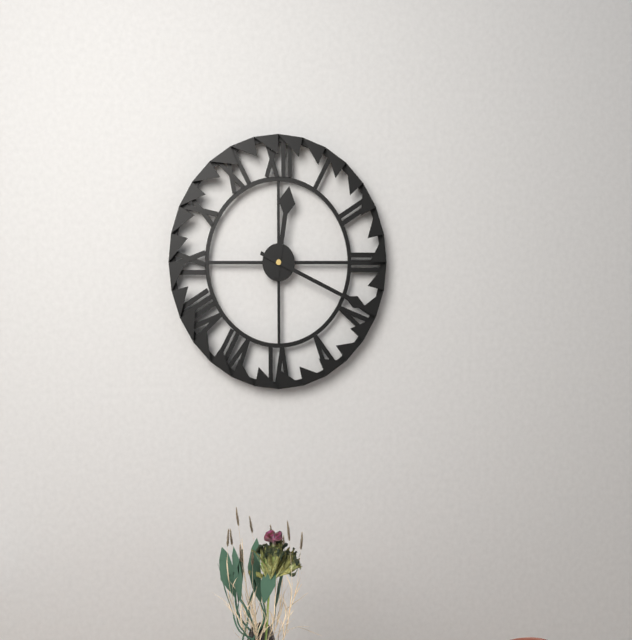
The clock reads 12,19
